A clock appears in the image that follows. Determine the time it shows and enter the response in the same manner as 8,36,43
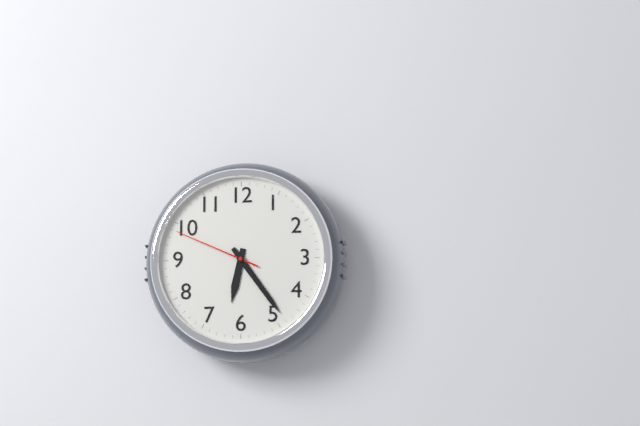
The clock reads 6,24,49
